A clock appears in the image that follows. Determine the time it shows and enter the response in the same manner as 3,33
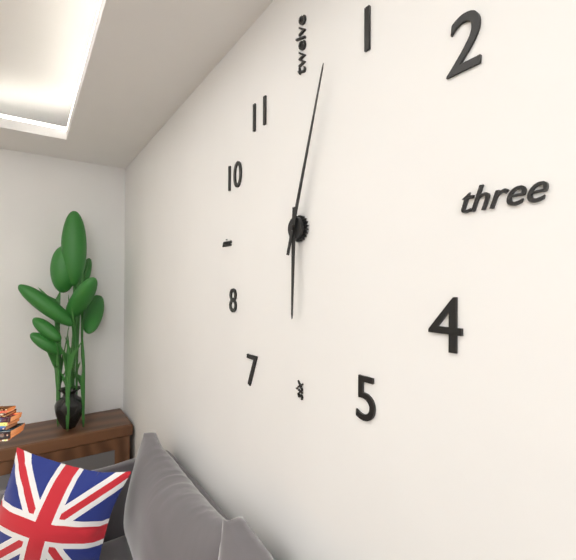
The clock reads 6,03
